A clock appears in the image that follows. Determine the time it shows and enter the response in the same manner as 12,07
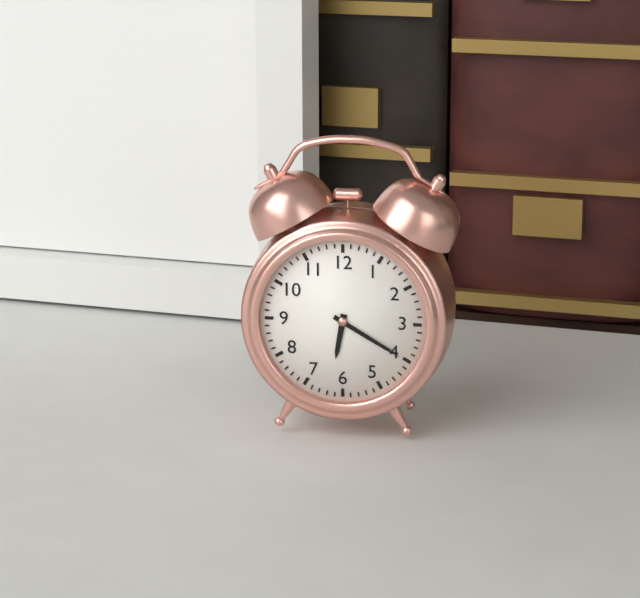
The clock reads 6,20
